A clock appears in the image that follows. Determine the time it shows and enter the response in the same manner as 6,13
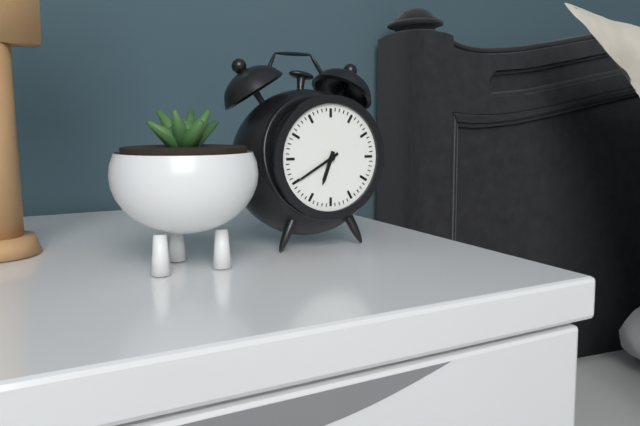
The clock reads 6,40
